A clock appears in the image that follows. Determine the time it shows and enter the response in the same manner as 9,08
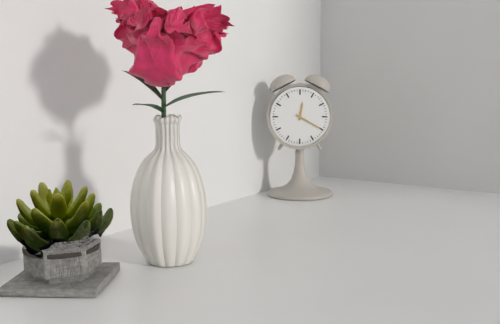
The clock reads 12,20
